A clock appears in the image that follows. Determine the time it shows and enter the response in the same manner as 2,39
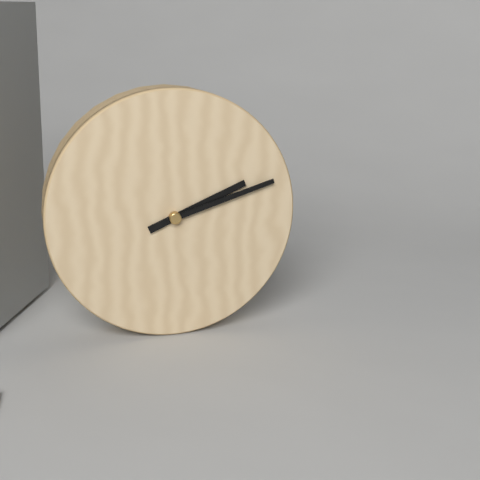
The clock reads 2,12
